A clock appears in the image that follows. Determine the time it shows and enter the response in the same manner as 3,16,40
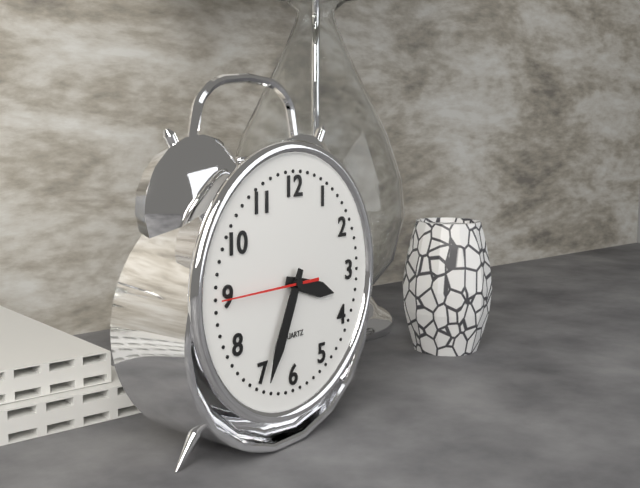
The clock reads 3,34,45
